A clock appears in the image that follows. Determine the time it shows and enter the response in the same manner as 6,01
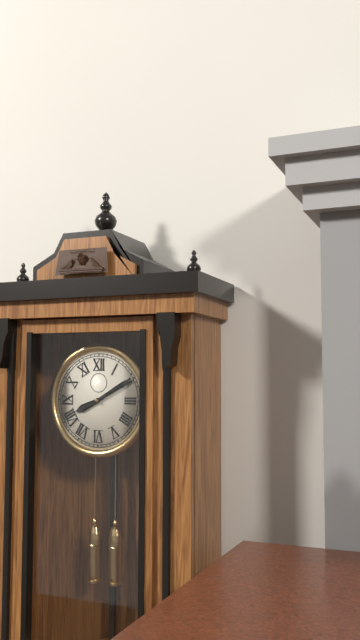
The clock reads 8,10
